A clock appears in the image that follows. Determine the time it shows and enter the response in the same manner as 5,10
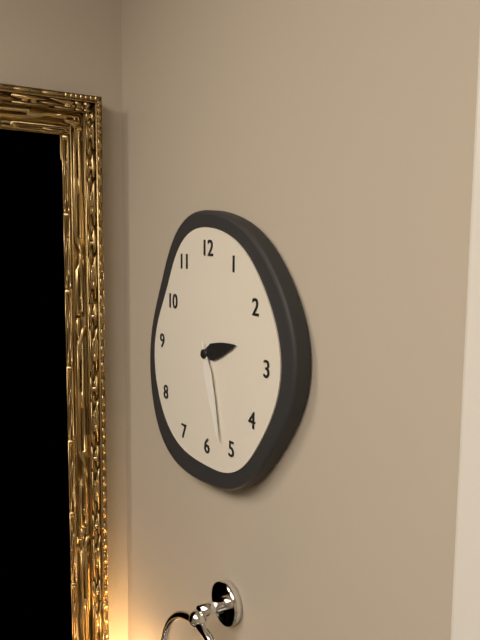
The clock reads 2,27
